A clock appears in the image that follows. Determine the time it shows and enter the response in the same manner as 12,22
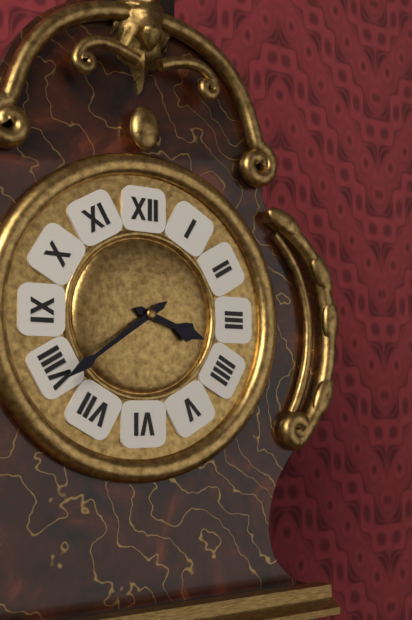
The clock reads 3,39
